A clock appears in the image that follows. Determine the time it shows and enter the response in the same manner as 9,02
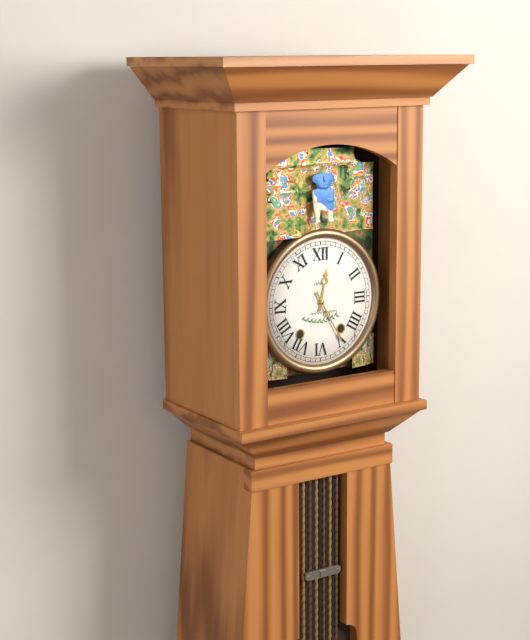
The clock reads 12,25
